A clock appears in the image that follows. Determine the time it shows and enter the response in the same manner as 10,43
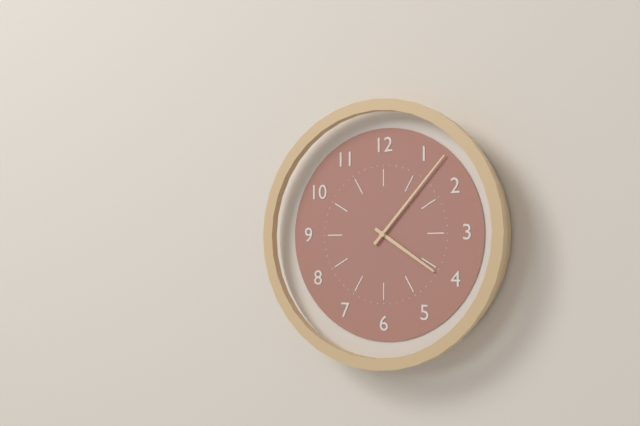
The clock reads 4,07
